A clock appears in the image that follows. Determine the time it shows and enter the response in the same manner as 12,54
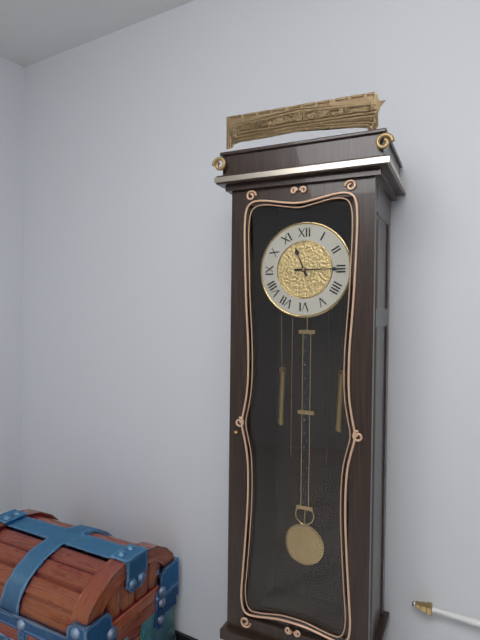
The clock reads 11,15
